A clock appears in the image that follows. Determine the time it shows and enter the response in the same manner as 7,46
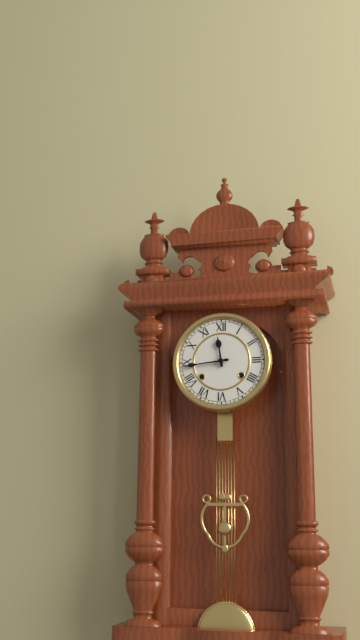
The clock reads 11,44
